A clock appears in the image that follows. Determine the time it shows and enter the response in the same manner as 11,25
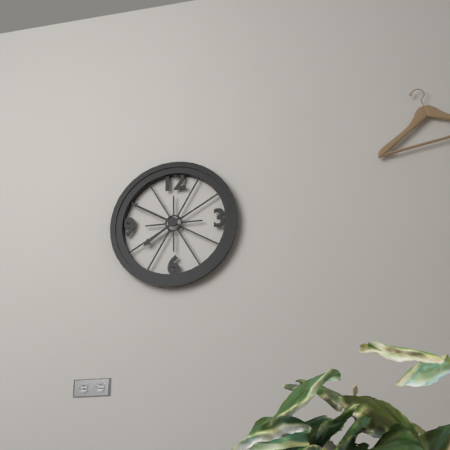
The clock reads 7,50
